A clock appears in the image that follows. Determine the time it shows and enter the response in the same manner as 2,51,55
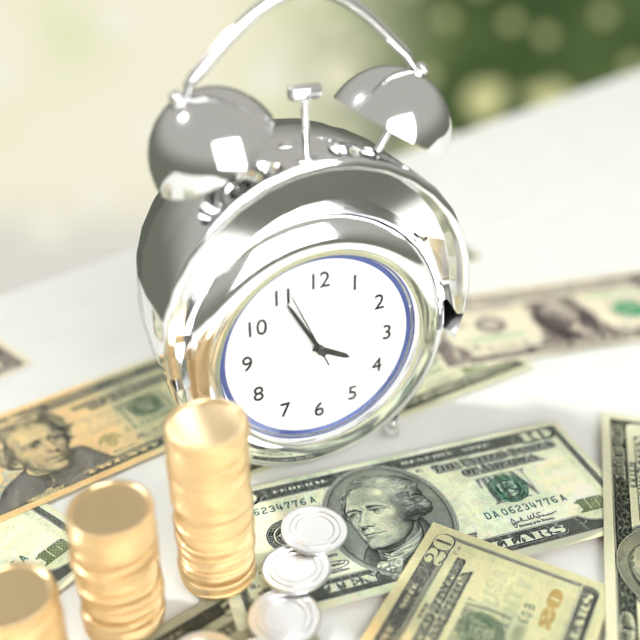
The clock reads 3,55,56
